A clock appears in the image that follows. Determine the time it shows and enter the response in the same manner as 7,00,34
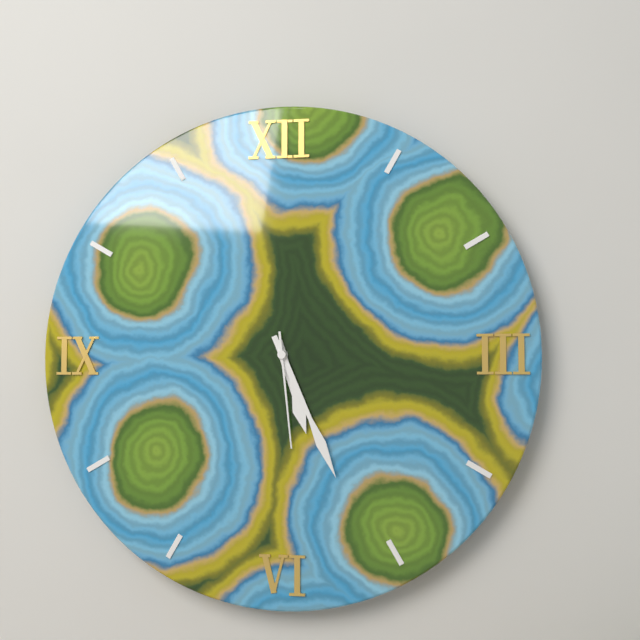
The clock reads 5,26,29
